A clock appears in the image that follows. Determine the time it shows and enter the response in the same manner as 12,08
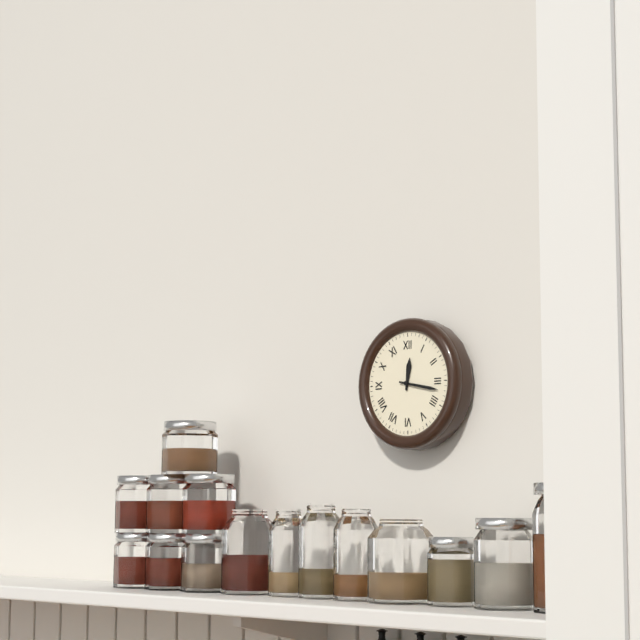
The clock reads 12,17
